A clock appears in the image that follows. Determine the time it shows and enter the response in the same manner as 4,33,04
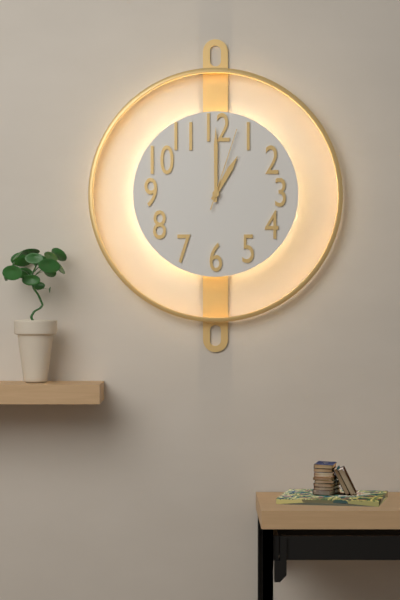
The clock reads 1,00,03
